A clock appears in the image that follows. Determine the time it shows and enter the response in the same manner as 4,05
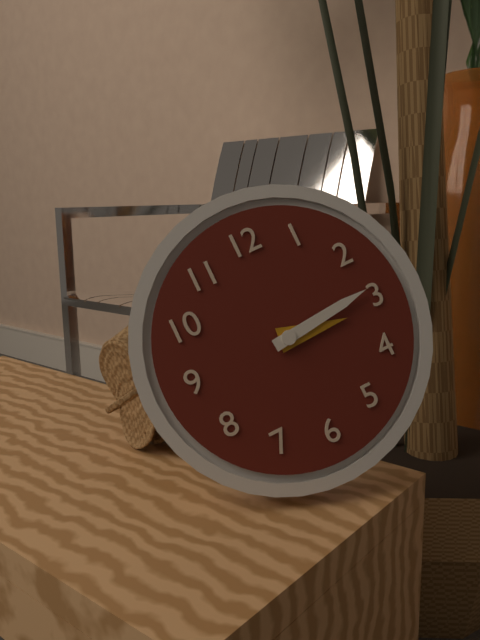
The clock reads 3,14
